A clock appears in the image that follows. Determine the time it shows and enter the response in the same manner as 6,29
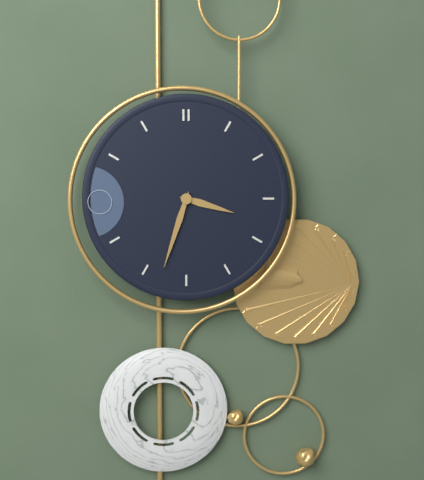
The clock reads 3,33
